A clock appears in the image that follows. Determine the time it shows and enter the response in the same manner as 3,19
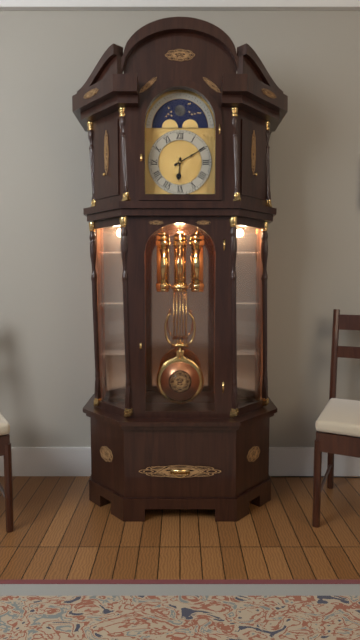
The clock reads 6,10
